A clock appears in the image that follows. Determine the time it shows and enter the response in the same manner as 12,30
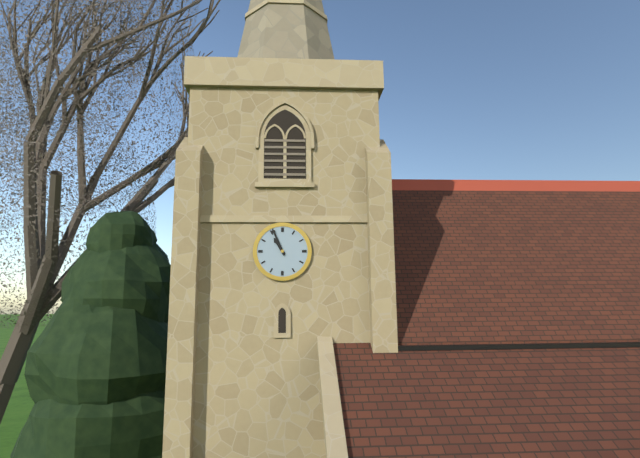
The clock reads 10,56
